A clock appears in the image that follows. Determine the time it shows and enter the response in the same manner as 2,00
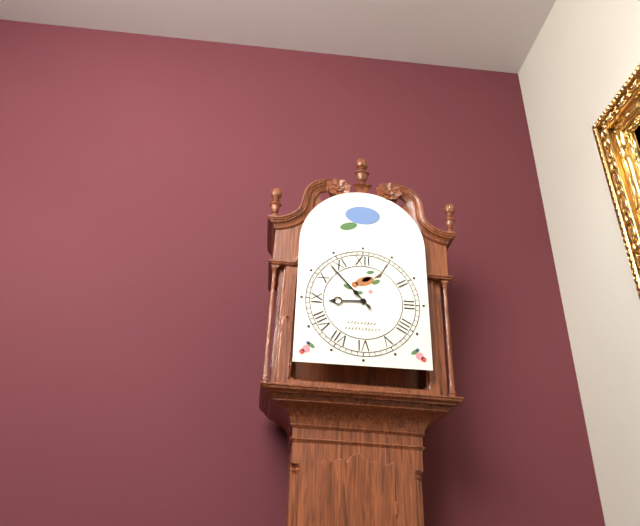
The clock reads 8,53
